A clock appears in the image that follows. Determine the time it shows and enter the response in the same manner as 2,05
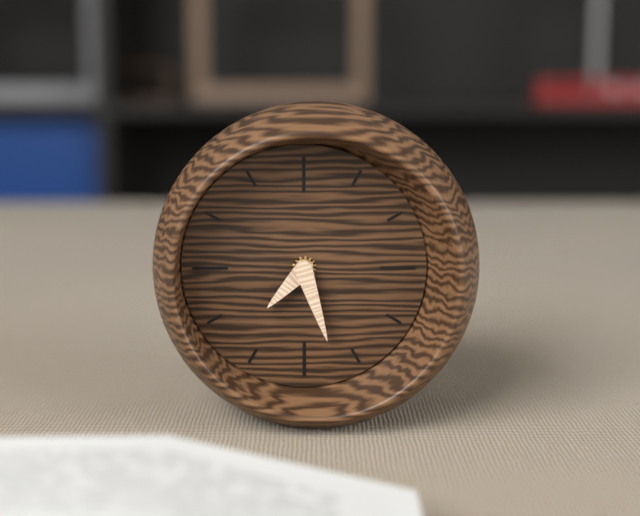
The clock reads 7,27
